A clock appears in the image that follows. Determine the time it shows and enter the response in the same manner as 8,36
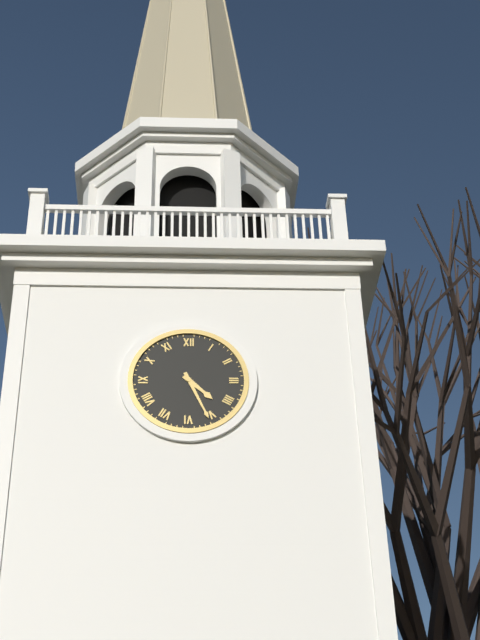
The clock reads 4,26
